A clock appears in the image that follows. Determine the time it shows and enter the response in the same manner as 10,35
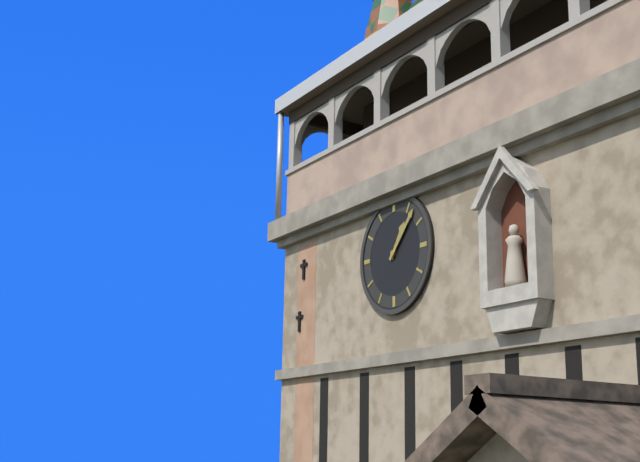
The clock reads 1,07
